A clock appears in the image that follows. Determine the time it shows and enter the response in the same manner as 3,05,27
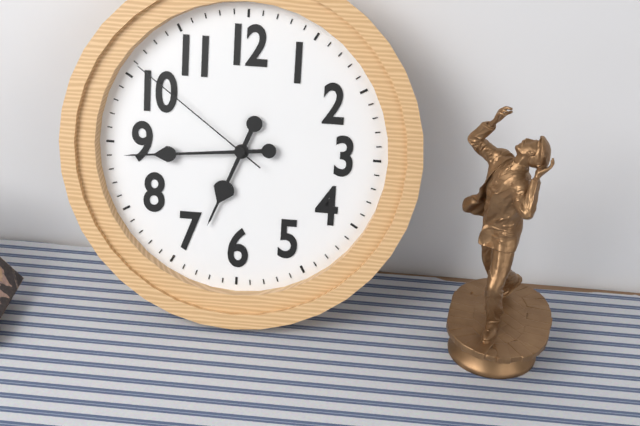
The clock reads 6,44,51
